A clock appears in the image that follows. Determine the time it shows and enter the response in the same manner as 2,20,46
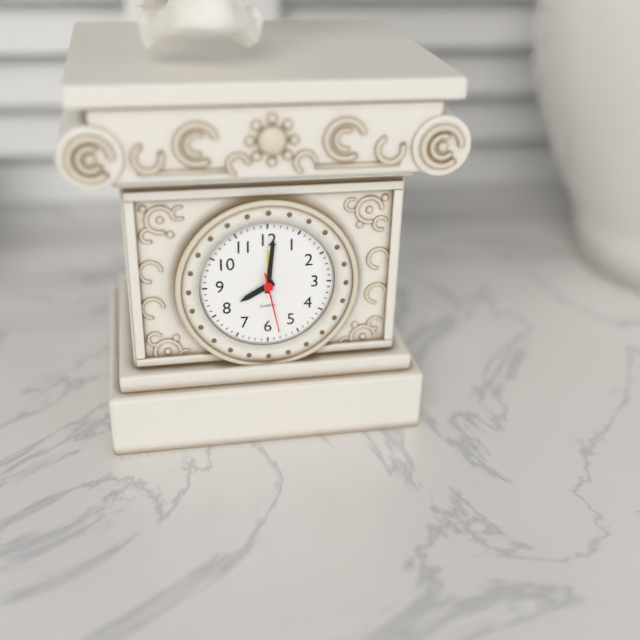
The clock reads 8,01,28
